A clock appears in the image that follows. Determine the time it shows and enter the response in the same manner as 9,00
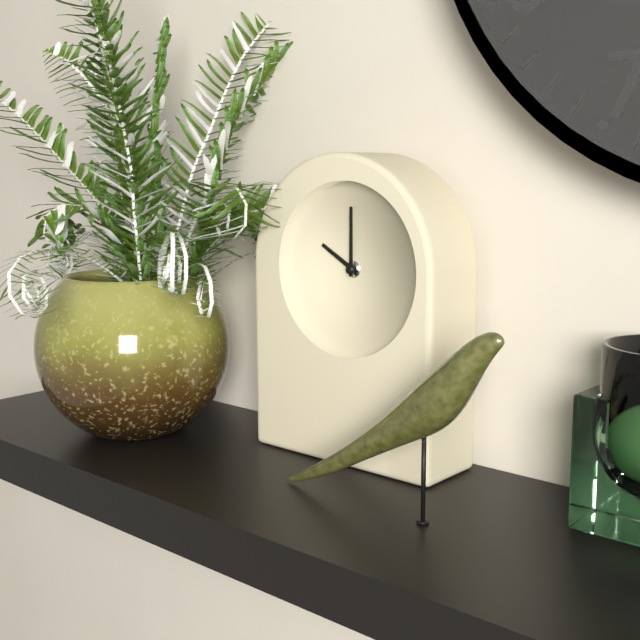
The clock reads 10,00
